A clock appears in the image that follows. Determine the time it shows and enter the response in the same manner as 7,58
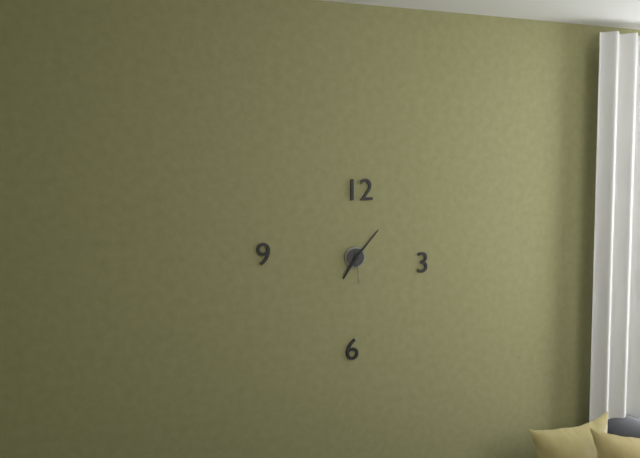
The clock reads 7,07
